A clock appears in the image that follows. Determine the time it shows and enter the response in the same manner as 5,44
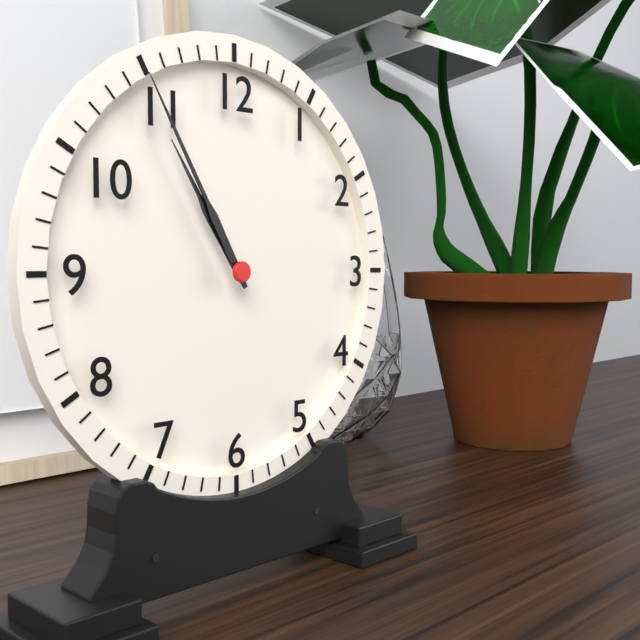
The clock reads 10,55
